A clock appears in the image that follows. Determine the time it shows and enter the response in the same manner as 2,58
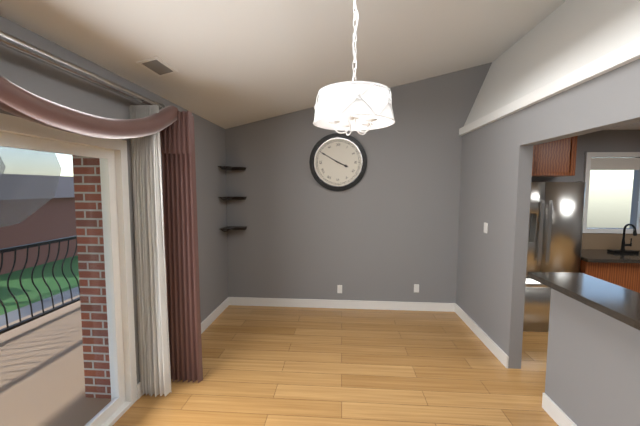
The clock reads 3,50
